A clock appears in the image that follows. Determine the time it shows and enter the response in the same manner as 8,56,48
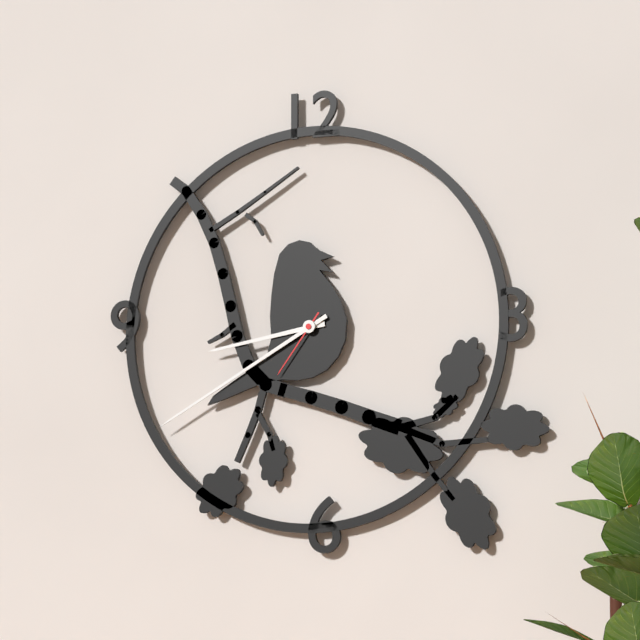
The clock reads 8,40,36
